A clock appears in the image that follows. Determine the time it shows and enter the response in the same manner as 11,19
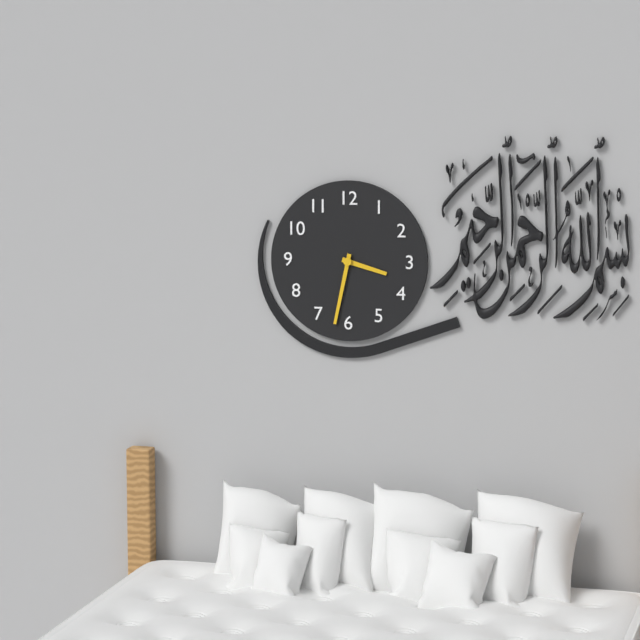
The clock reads 3,32
